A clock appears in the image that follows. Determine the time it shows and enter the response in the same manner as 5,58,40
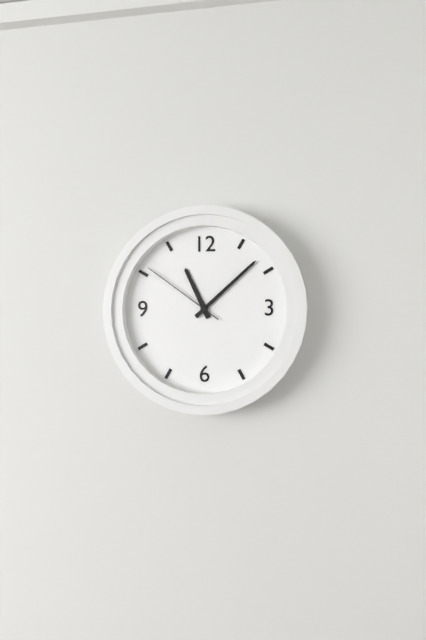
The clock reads 11,08,51
